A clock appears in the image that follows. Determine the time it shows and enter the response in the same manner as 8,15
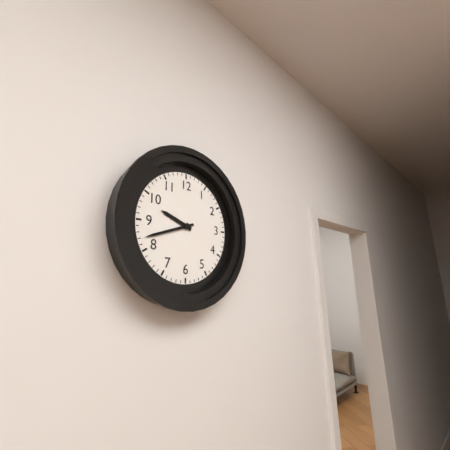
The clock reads 9,42
